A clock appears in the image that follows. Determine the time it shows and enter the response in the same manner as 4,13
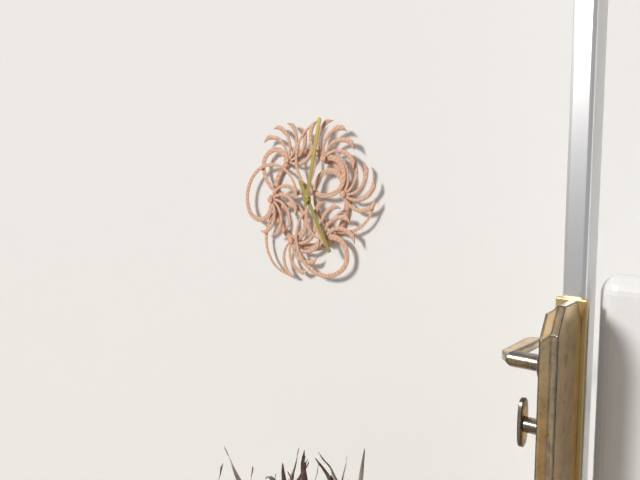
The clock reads 5,02
